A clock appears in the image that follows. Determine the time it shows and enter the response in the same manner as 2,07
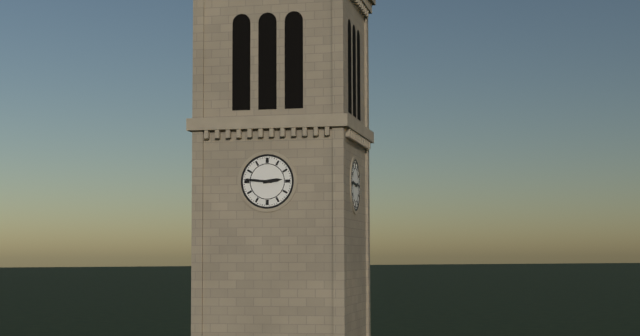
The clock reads 2,46
